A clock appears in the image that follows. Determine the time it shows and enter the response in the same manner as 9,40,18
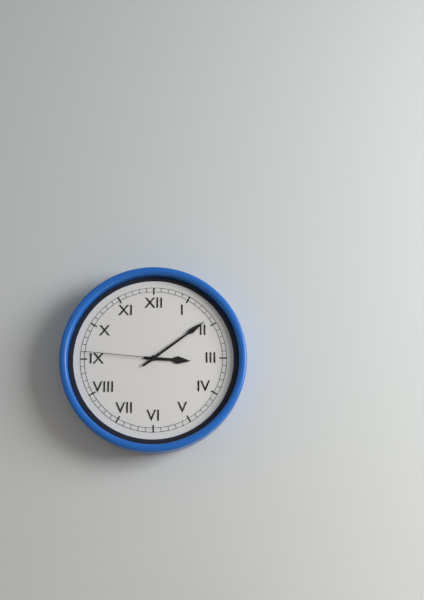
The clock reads 3,09,46
